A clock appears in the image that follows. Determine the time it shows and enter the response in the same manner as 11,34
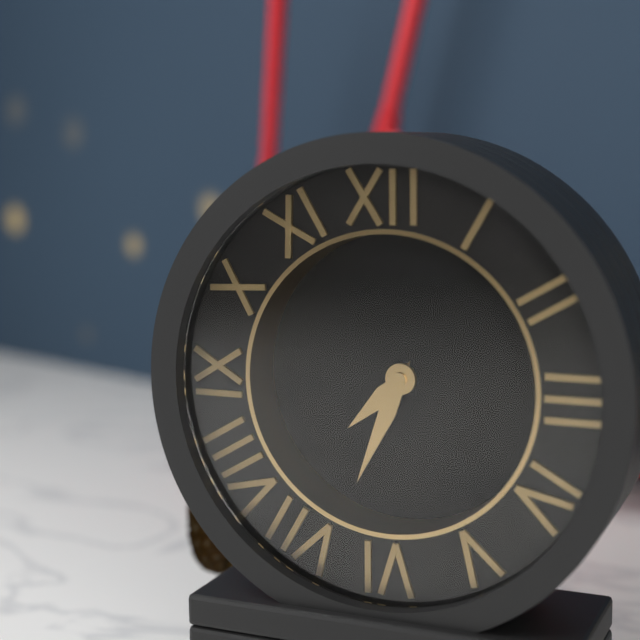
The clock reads 7,34
